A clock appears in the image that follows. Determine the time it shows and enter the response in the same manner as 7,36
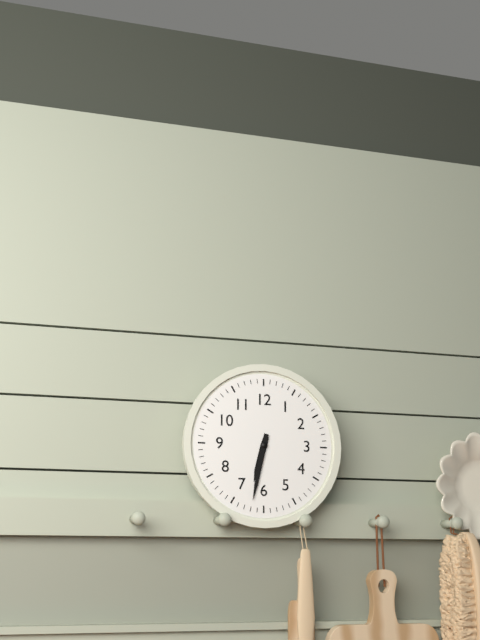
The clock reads 6,32
